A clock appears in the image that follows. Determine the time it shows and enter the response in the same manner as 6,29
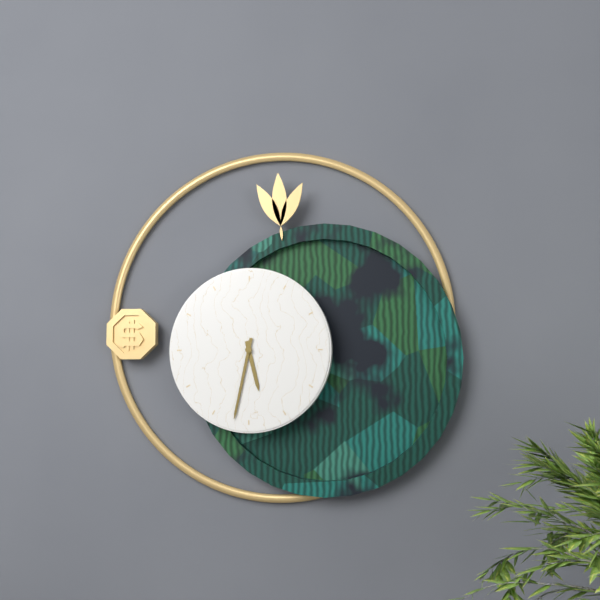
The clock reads 5,32
